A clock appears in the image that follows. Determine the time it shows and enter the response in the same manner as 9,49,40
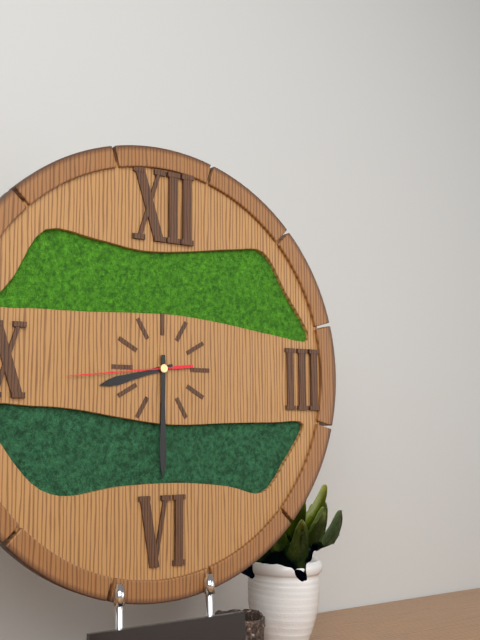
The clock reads 8,30,44
